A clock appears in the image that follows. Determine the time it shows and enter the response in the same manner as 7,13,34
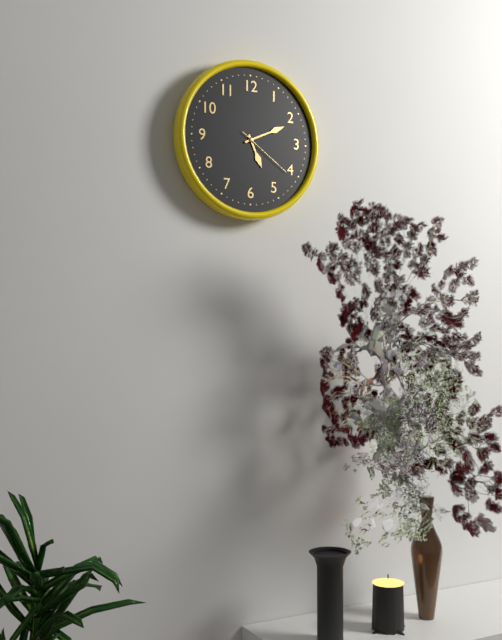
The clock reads 5,11,21
